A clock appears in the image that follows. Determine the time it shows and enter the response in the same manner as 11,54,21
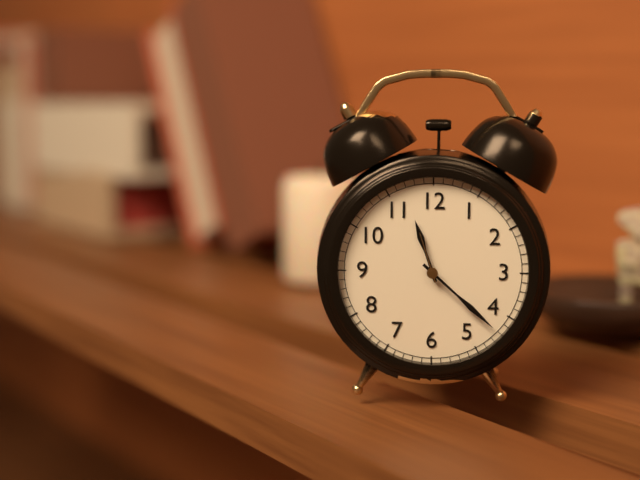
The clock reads 11,22,57
